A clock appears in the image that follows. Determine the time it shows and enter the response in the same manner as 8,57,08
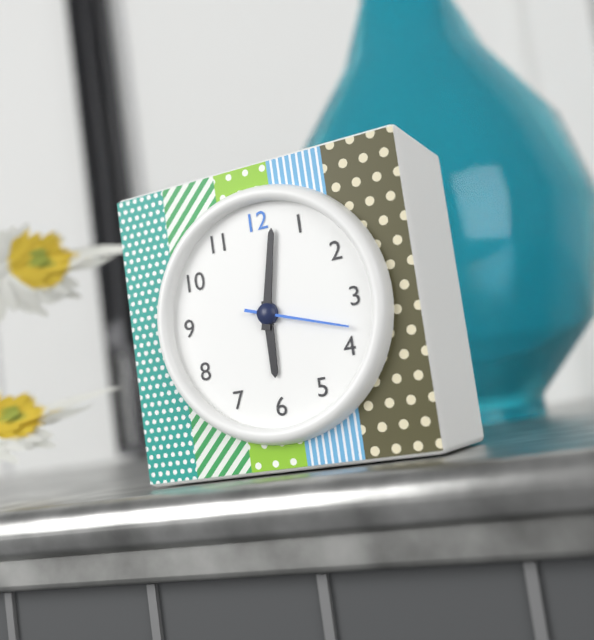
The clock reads 6,02,18
